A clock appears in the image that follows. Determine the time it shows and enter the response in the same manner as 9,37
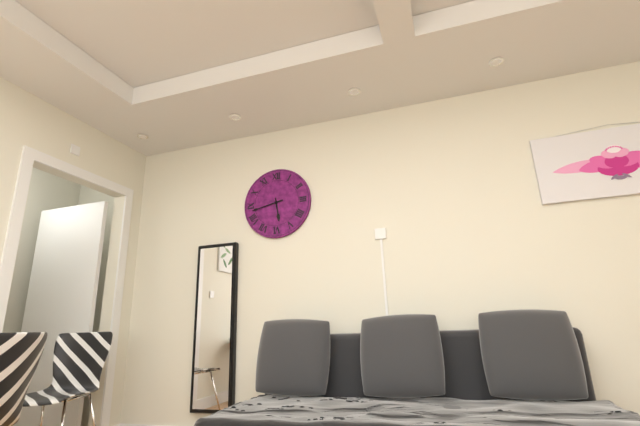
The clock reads 5,43
